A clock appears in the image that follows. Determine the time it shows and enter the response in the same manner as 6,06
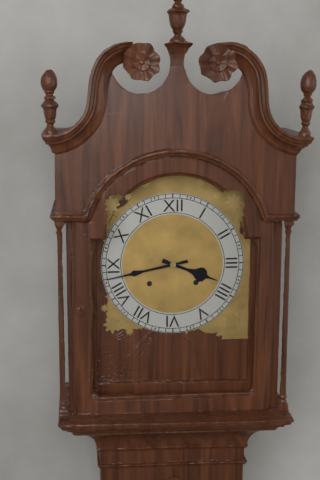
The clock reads 3,43
